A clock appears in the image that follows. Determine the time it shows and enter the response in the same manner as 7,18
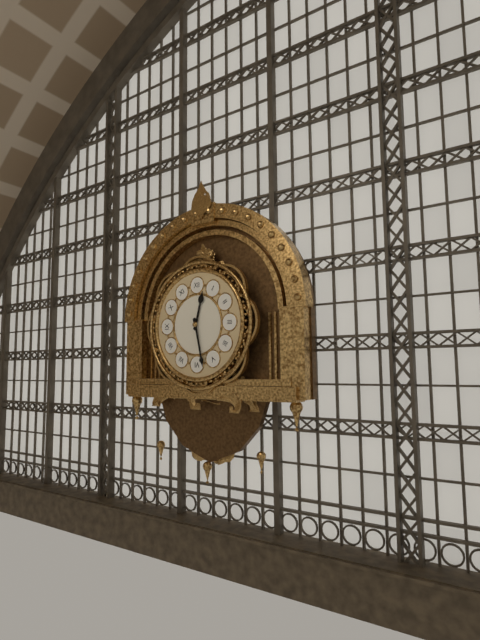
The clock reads 12,28
